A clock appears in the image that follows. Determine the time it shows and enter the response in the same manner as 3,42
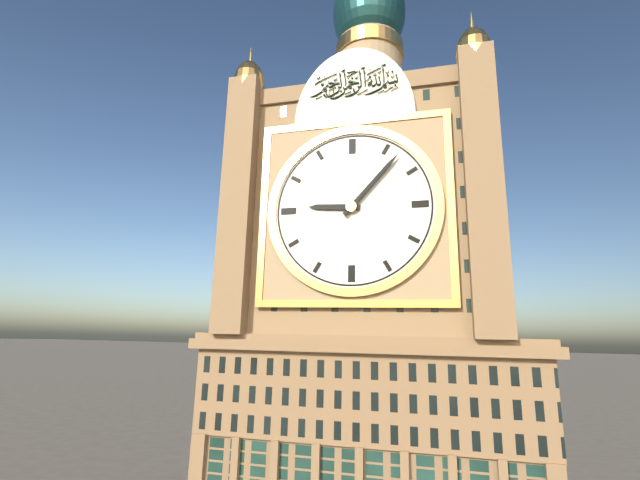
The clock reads 9,07
